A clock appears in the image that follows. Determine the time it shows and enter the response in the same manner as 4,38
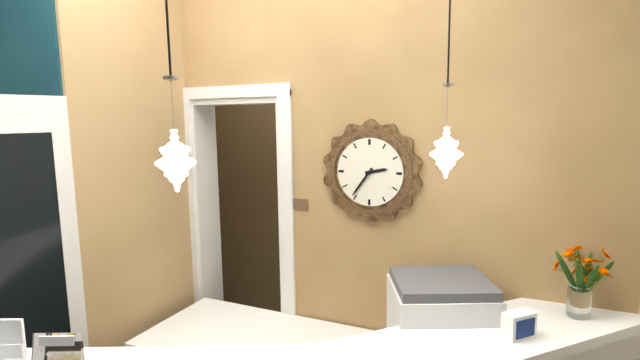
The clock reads 2,36
